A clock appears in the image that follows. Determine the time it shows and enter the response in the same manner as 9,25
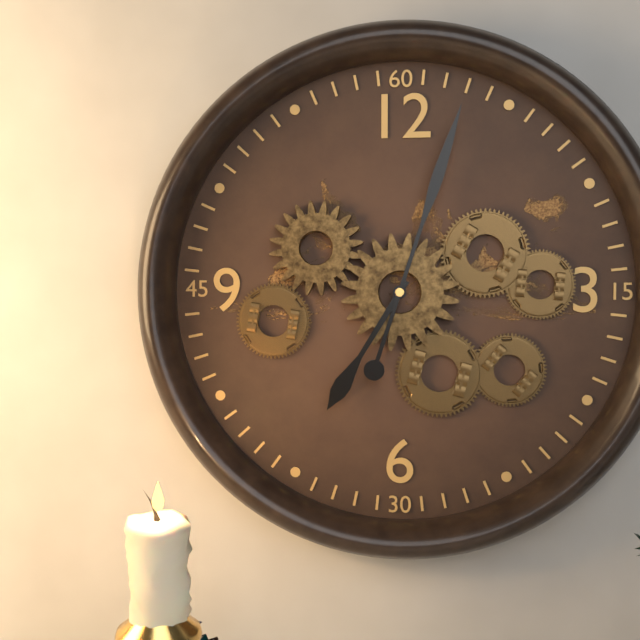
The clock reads 7,03
